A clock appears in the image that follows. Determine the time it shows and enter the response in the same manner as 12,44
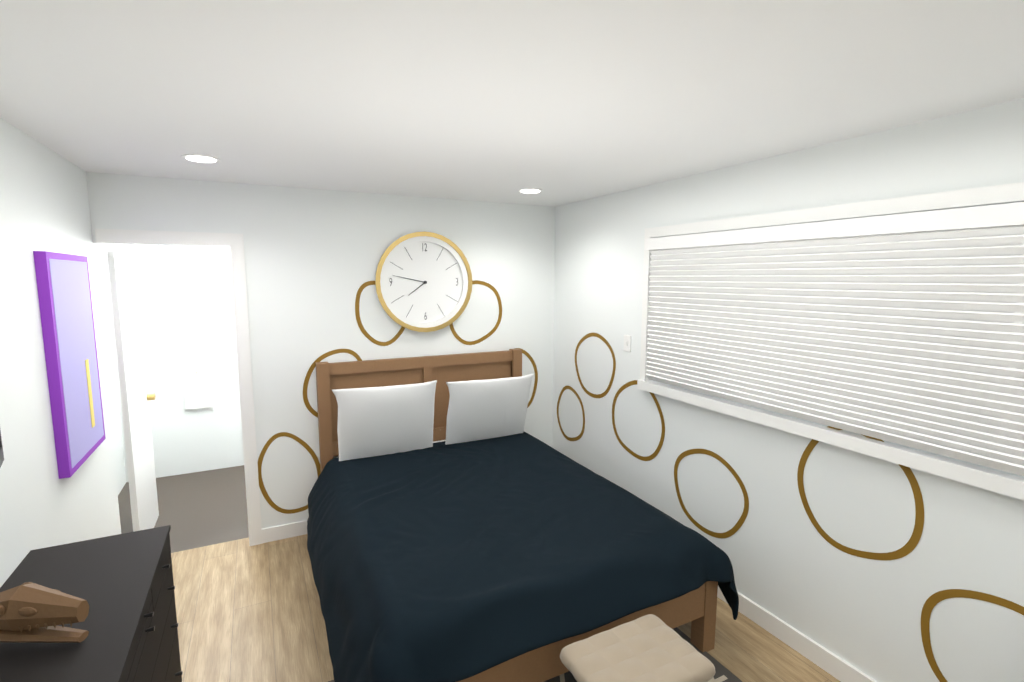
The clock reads 7,47
